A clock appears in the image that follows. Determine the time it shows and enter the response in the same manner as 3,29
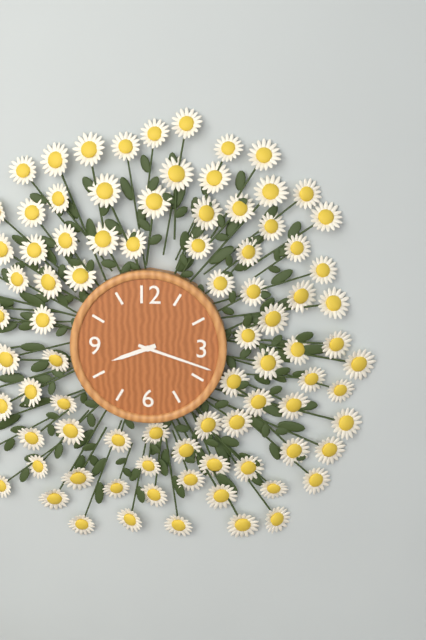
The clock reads 8,18
